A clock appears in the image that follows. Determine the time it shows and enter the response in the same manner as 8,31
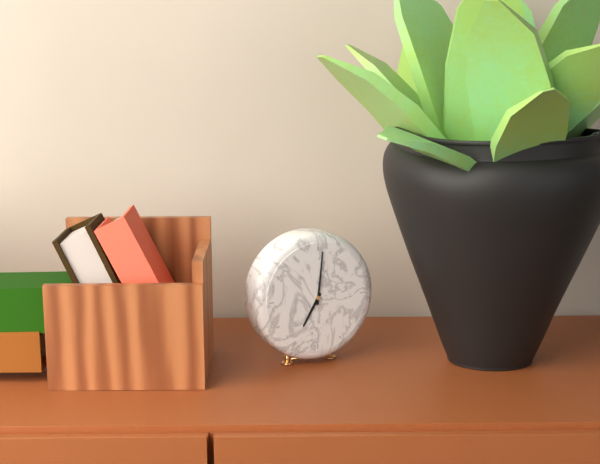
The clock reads 7,01
